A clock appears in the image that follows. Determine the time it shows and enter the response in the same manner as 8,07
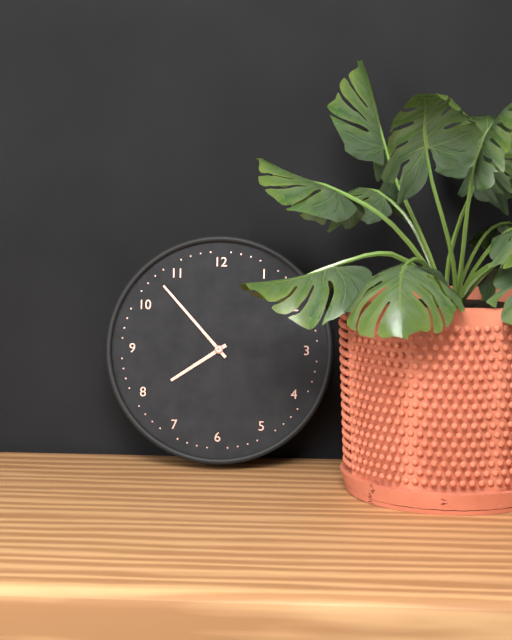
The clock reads 7,53
